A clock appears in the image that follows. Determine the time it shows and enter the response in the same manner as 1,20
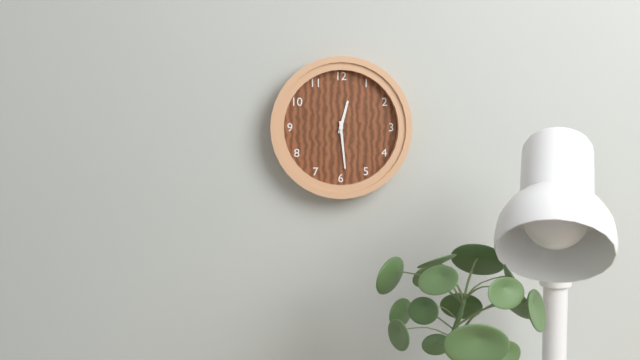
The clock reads 12,29
